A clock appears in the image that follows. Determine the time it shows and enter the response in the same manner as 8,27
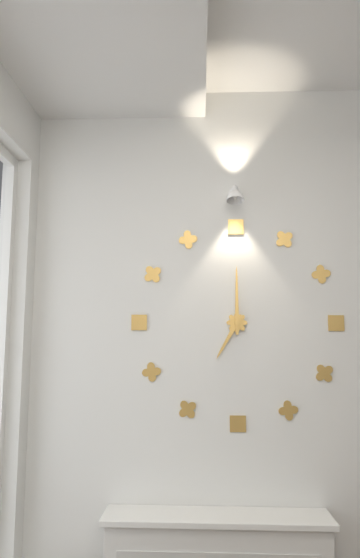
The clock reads 7,00
